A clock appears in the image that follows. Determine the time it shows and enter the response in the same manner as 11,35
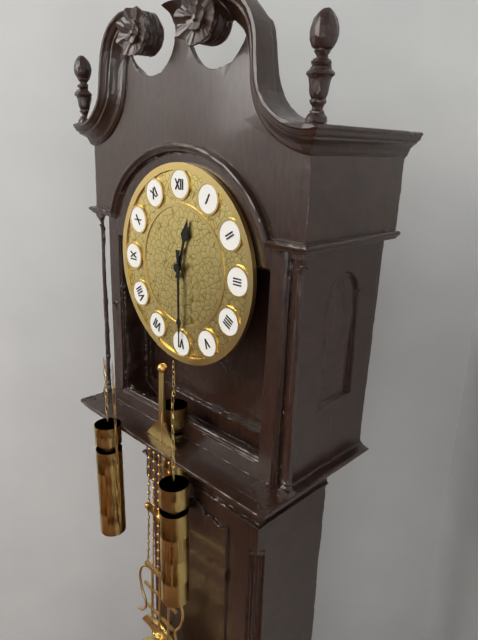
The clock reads 12,30
